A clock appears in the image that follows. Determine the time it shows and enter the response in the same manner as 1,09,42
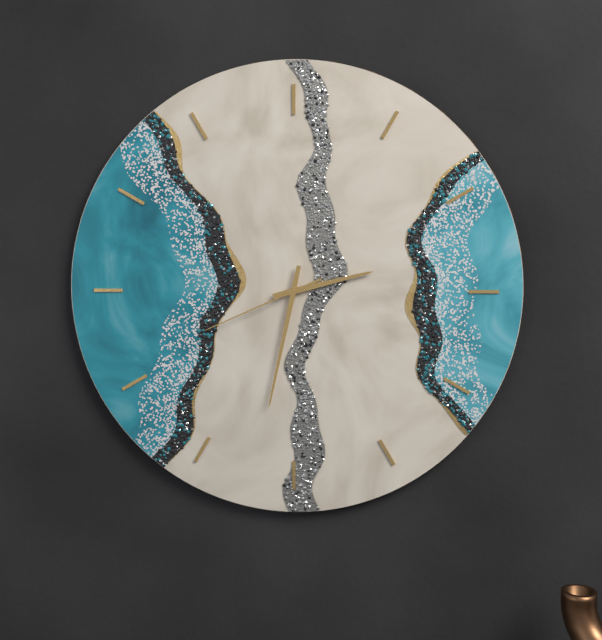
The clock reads 2,32,41
